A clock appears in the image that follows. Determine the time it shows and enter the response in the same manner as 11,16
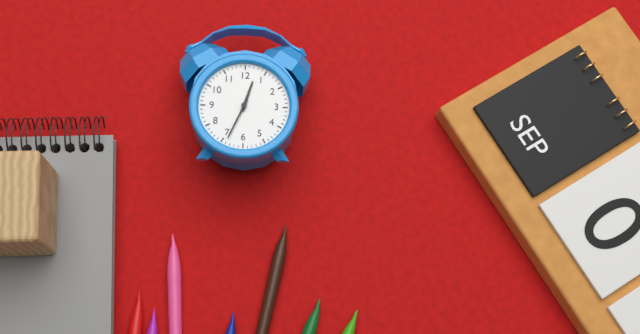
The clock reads 12,34
